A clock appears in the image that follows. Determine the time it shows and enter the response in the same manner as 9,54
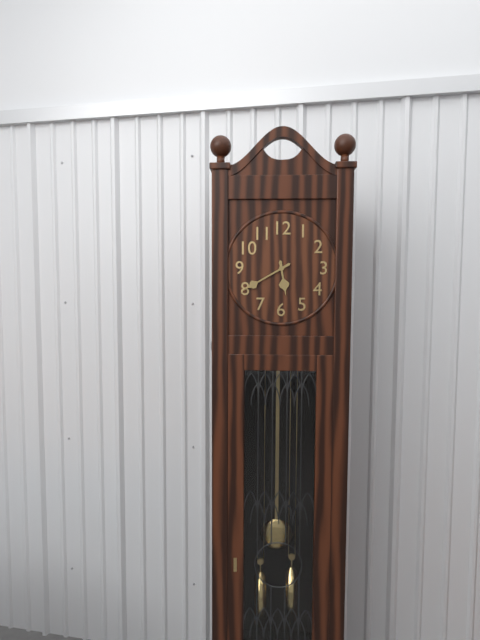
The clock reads 5,40
